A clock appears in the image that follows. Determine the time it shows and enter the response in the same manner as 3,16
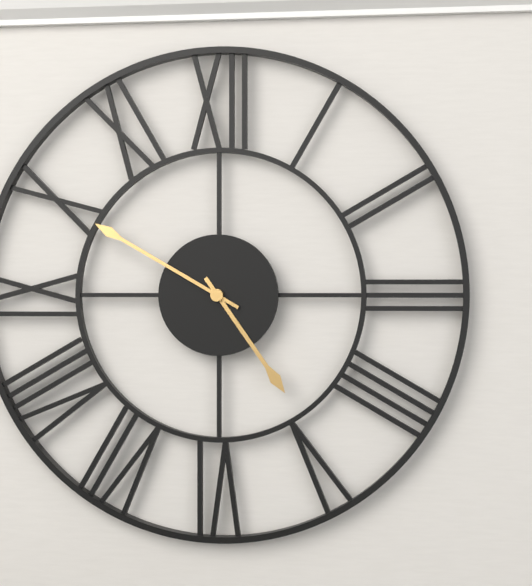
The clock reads 4,50
